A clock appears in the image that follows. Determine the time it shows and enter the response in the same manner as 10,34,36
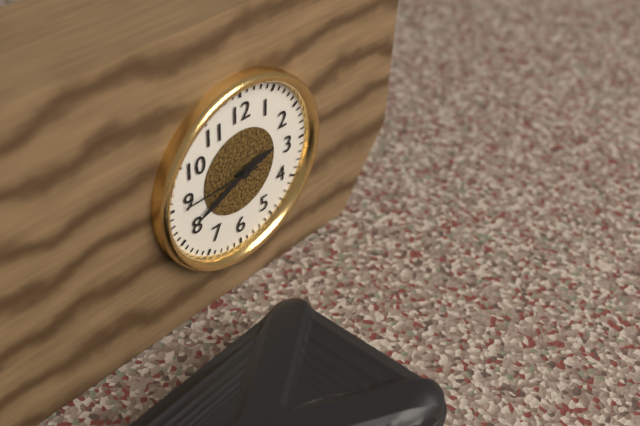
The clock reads 2,41,45
